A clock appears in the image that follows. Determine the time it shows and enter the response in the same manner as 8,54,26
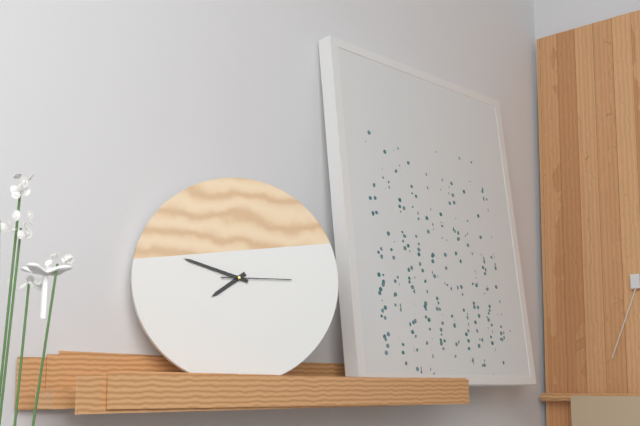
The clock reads 7,48,15
